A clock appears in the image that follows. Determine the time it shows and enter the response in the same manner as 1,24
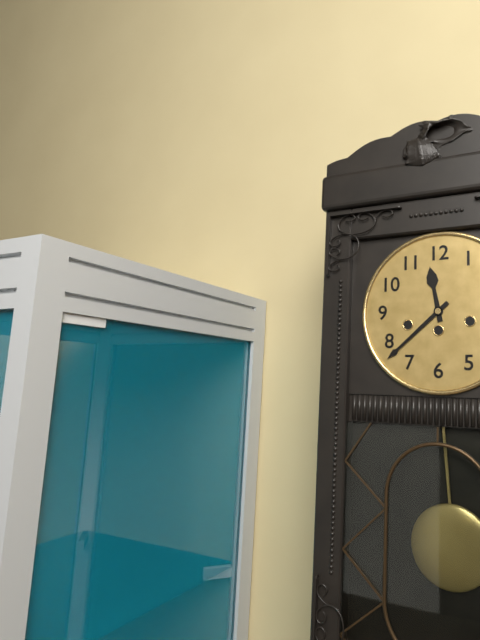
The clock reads 11,38
